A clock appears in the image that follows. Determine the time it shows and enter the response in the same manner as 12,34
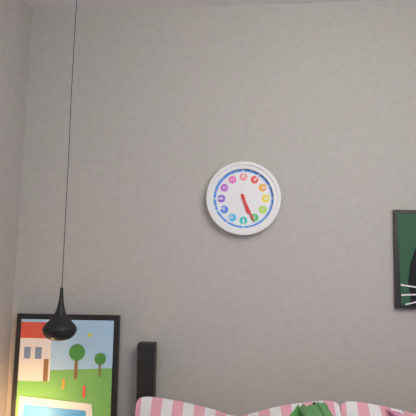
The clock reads 5,26
